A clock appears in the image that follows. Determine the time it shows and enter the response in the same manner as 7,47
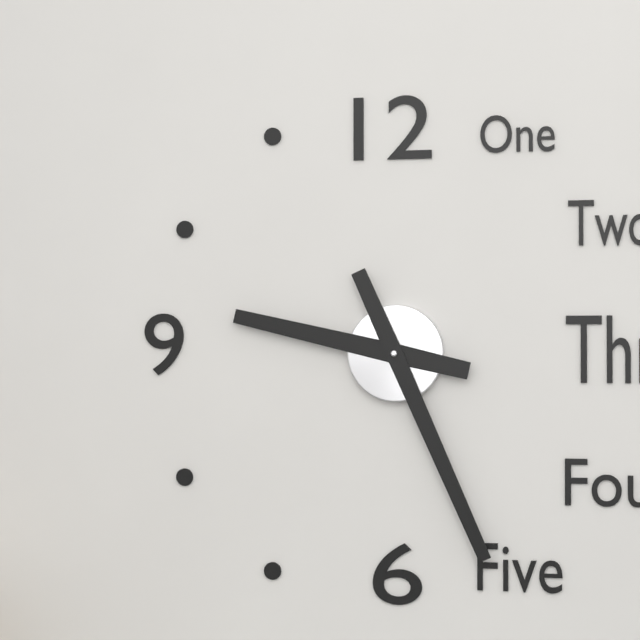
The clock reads 9,26
